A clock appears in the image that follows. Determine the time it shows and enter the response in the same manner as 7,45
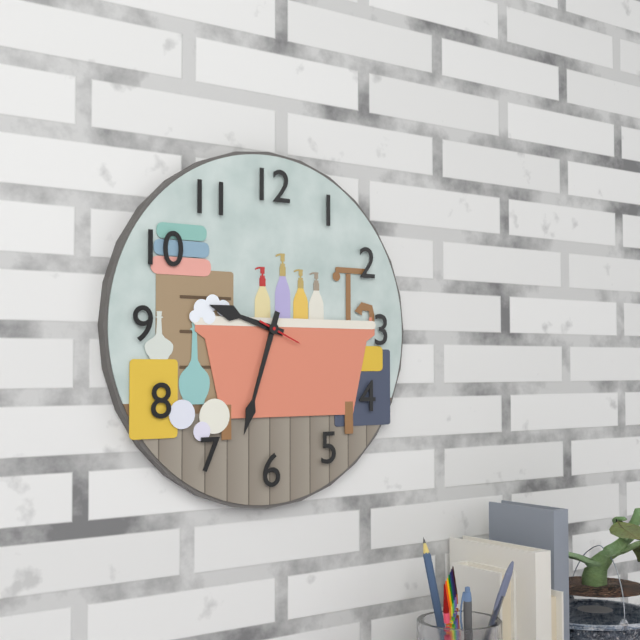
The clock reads 9,33
